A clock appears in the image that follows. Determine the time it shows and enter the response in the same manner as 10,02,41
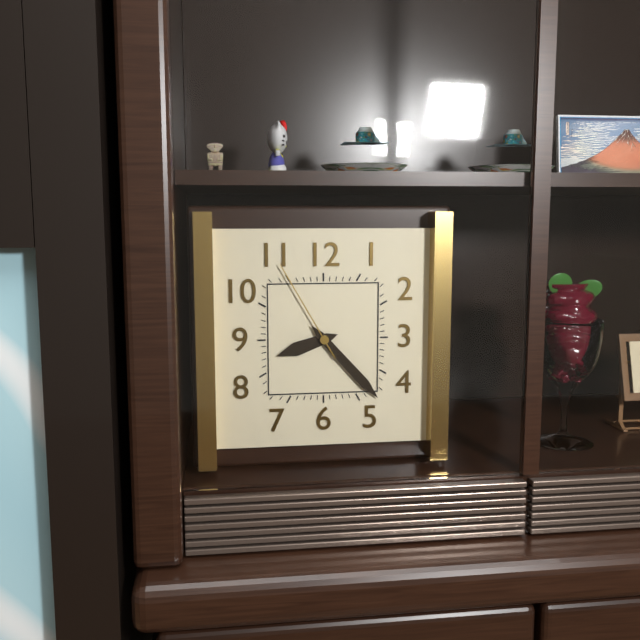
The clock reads 8,23,55
